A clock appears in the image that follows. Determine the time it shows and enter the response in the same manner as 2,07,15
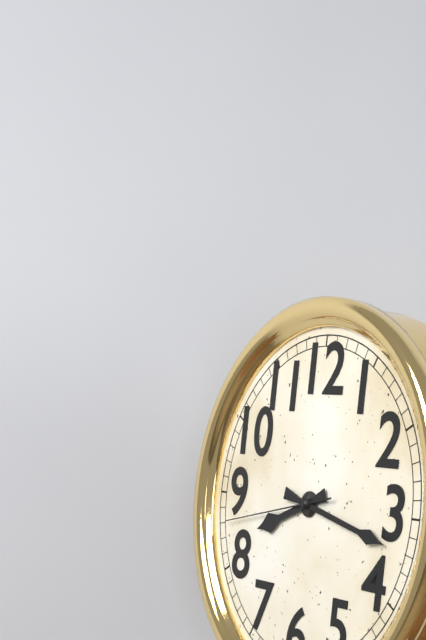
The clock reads 8,17,43
